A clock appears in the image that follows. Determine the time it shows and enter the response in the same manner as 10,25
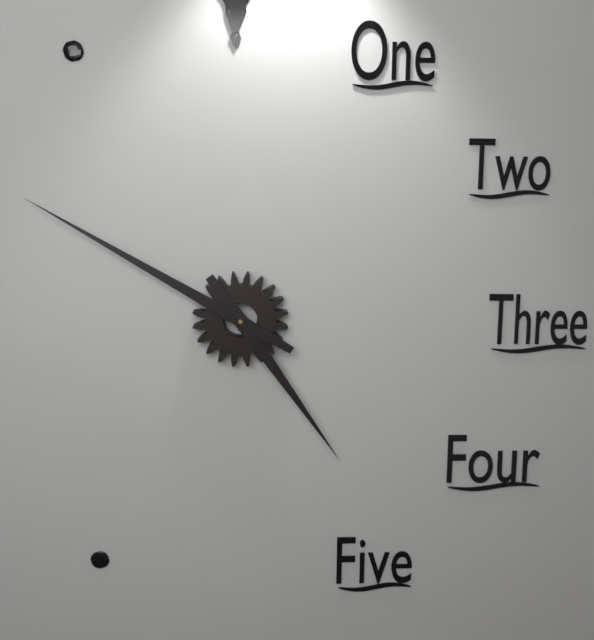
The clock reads 4,50
